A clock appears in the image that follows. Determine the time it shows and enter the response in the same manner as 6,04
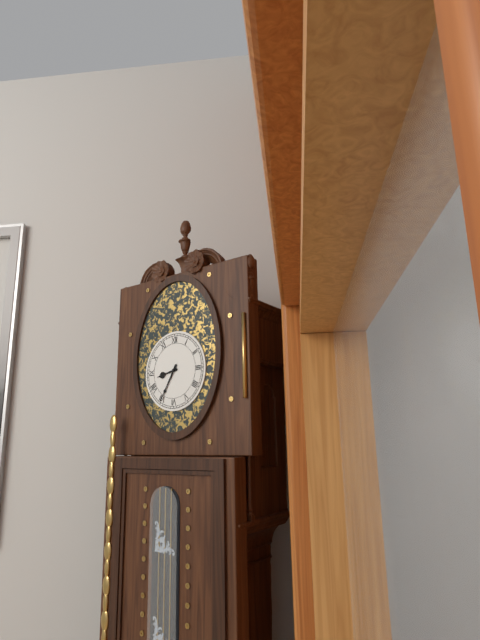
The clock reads 8,35
